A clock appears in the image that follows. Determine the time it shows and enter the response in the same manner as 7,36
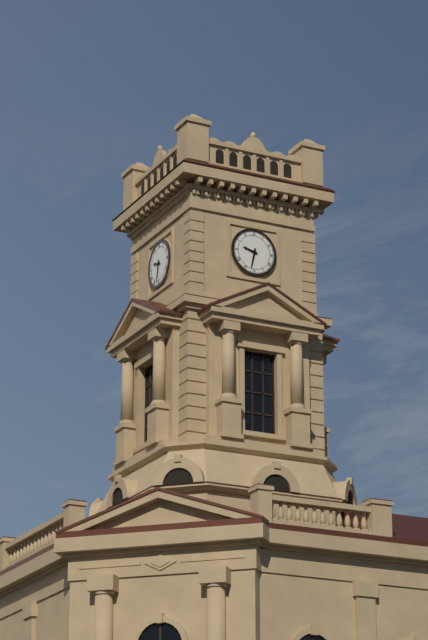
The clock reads 9,32
